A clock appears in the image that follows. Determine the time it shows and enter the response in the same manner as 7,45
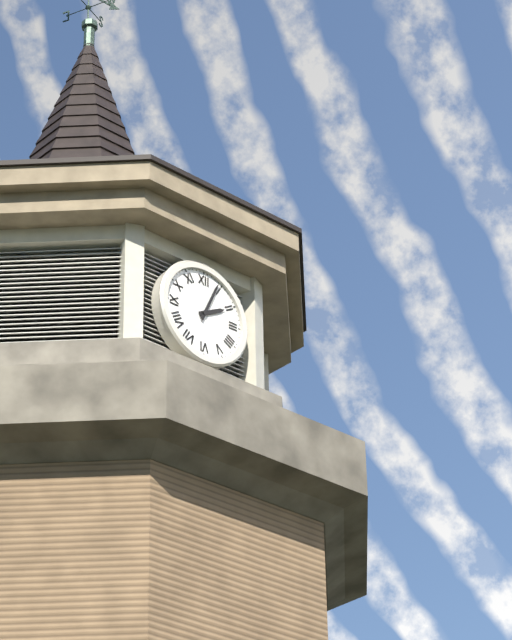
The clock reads 2,04
